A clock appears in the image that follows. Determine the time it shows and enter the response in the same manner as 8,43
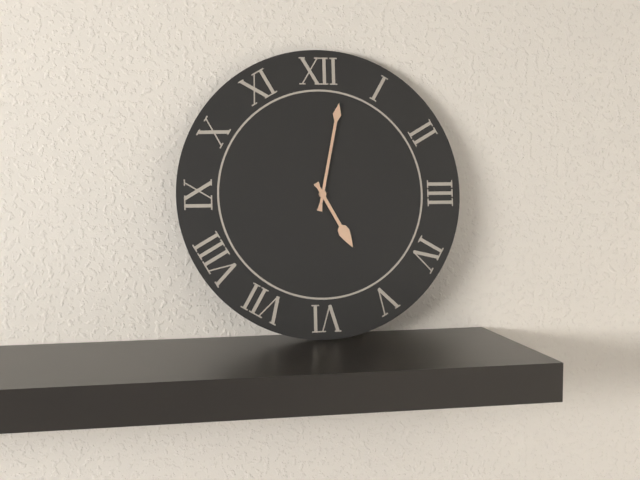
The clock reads 5,02
